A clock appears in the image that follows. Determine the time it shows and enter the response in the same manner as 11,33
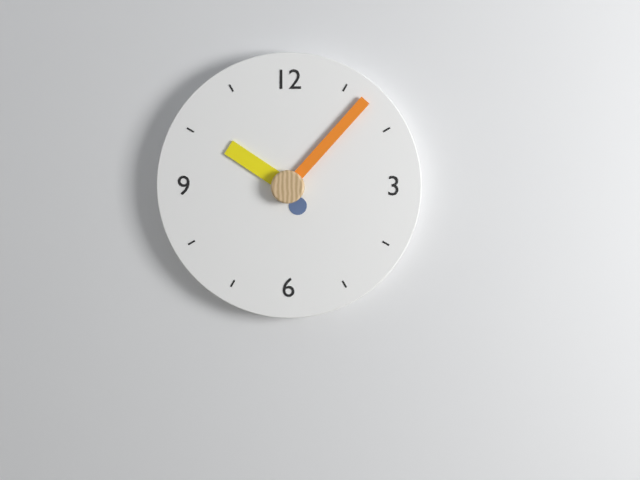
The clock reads 10,07
